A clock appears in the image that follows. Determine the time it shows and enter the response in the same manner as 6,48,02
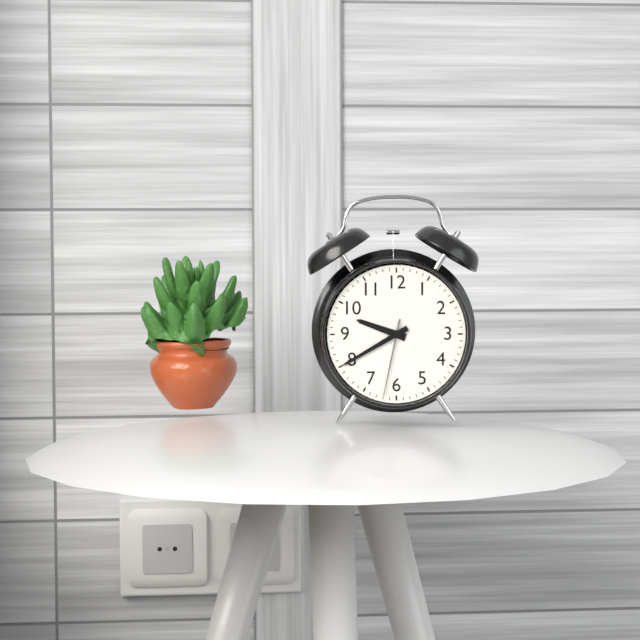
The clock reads 9,40,32
